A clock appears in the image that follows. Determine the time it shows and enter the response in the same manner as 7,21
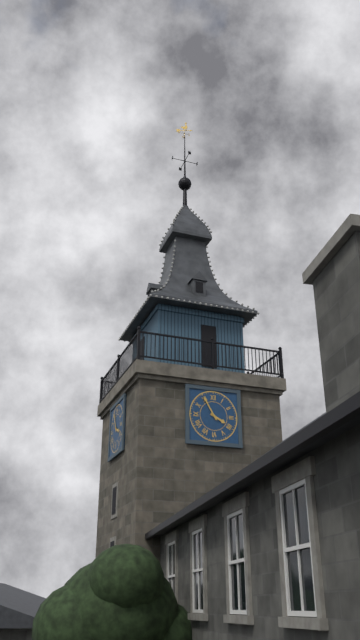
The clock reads 3,55
